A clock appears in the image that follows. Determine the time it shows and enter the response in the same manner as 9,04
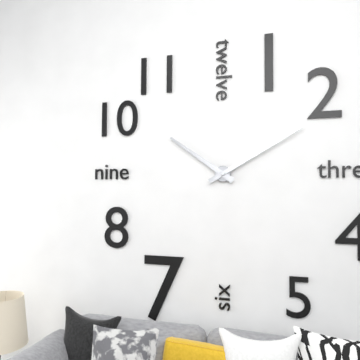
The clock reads 10,10
